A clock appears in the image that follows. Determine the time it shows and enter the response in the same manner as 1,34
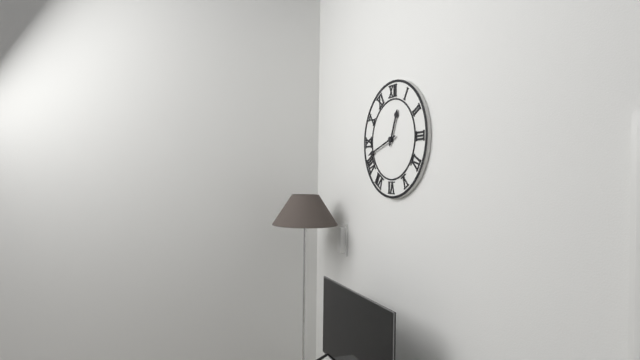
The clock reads 12,42
